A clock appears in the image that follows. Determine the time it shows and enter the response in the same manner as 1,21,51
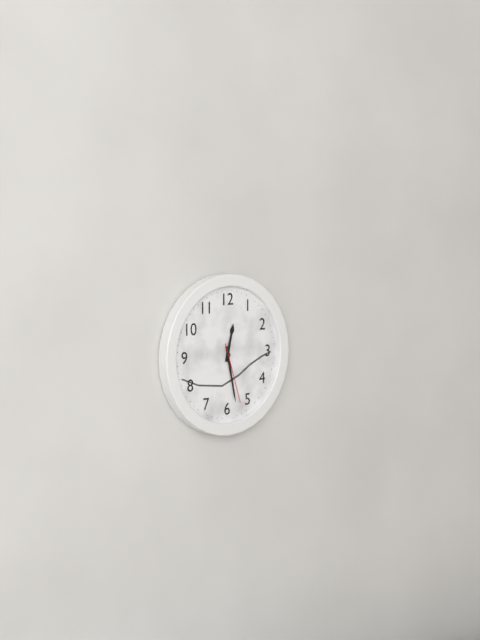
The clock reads 12,28,27
